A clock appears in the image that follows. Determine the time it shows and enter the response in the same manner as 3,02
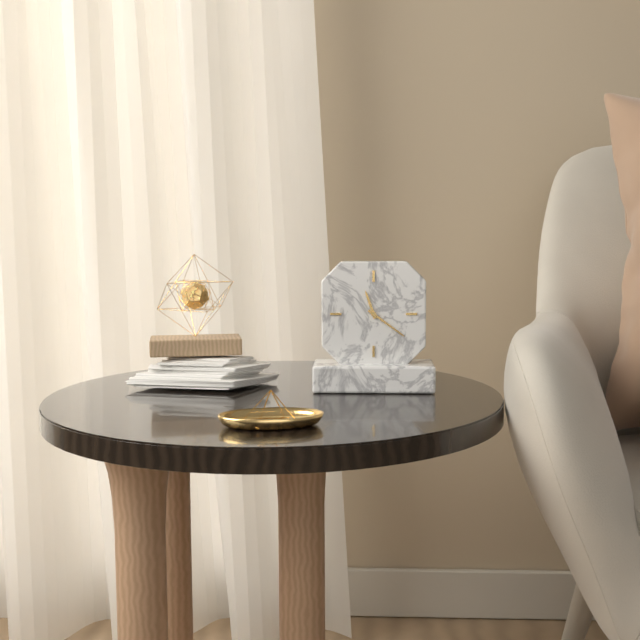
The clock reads 11,21
